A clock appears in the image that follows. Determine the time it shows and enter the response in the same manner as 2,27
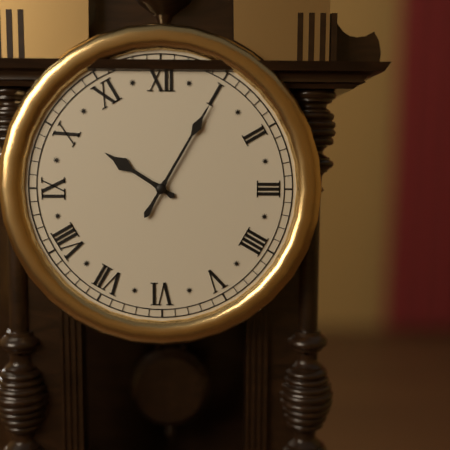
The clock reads 10,05
